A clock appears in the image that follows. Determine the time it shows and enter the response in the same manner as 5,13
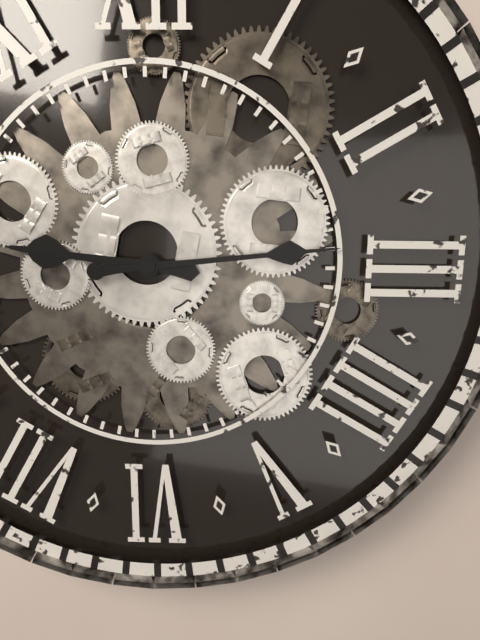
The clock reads 9,14
